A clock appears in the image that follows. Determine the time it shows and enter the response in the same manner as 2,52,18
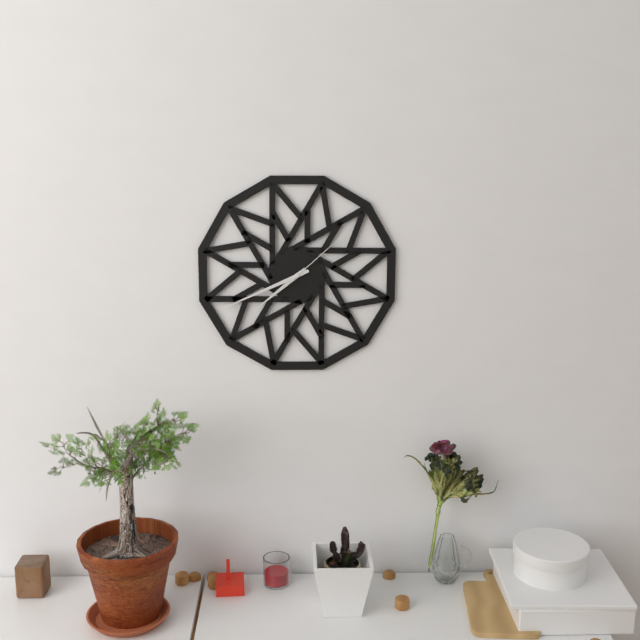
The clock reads 7,41,08
